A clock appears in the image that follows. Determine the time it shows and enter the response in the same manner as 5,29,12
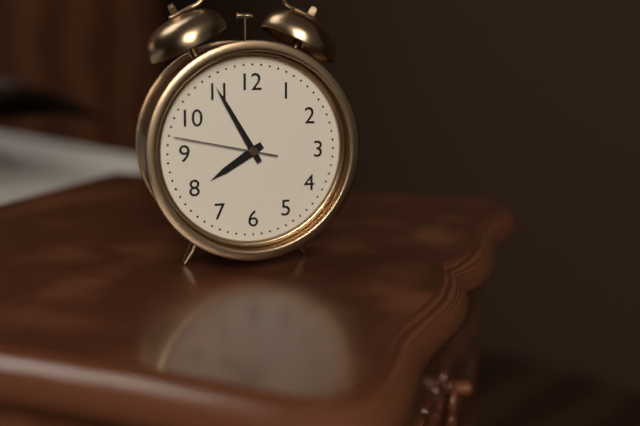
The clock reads 7,55,47
